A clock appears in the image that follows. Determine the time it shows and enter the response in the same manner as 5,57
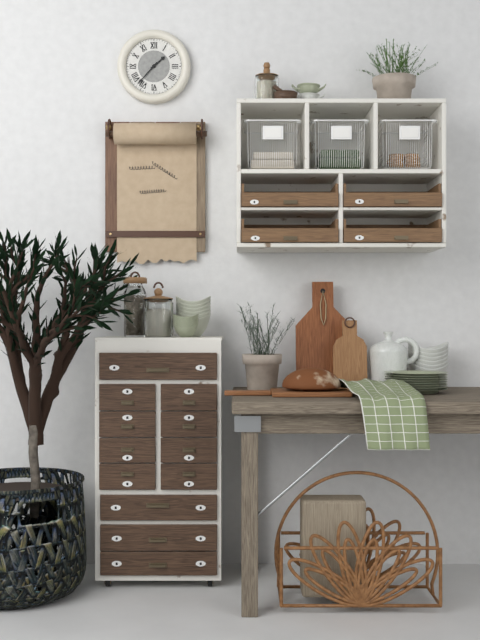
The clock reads 1,37
